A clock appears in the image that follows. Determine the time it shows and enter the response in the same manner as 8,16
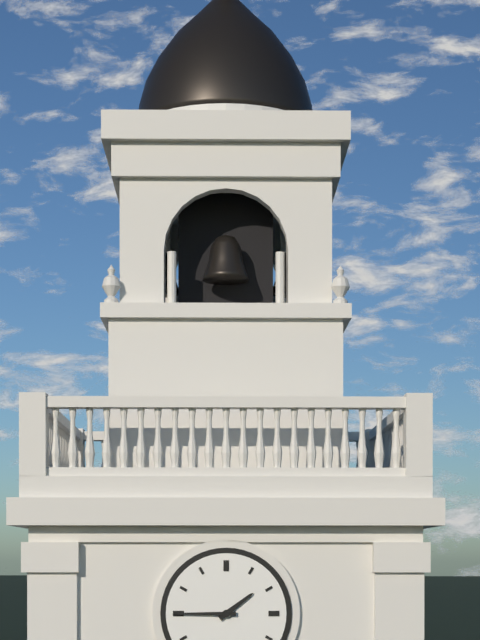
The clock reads 1,45
